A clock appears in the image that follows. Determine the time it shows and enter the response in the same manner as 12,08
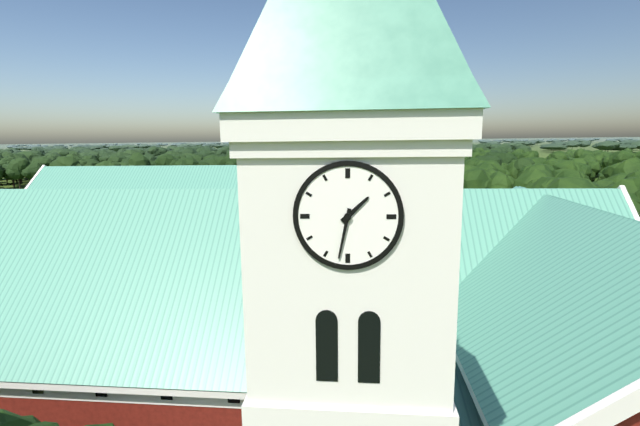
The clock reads 1,32
